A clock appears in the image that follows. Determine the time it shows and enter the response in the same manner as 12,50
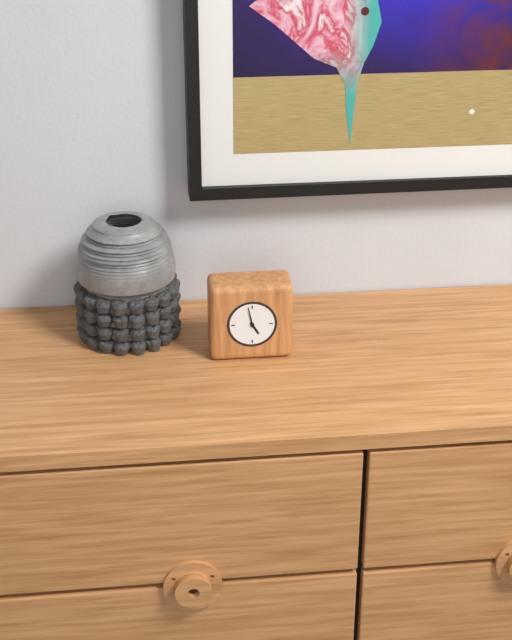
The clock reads 4,58
